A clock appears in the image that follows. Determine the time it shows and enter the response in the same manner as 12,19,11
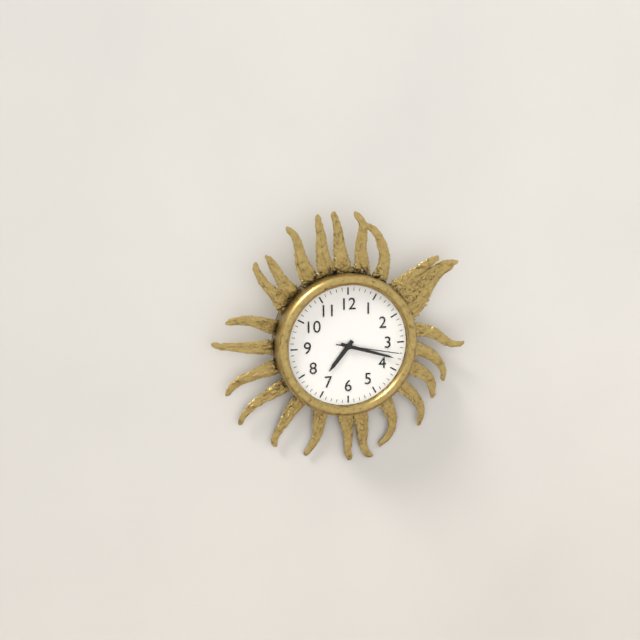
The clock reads 7,18,17
